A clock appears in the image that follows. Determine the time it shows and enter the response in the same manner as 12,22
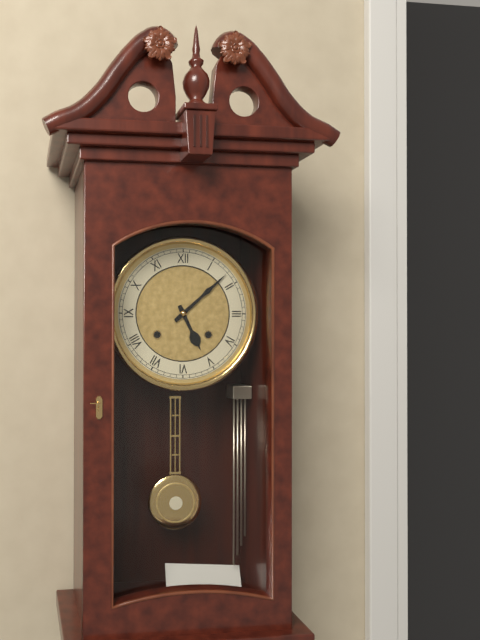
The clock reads 5,08
